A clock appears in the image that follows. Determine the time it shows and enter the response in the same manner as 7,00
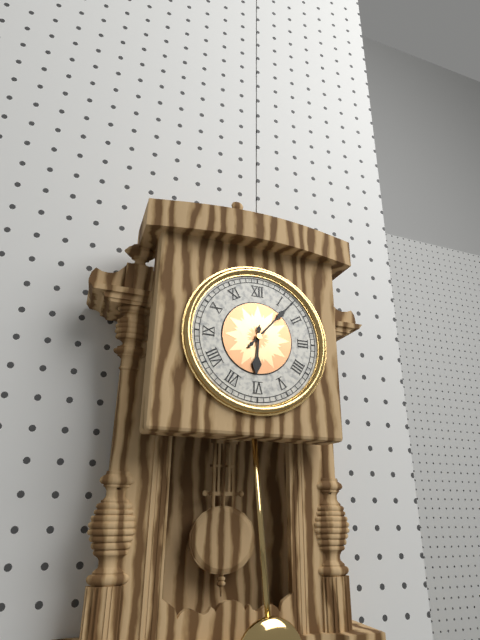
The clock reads 6,07
